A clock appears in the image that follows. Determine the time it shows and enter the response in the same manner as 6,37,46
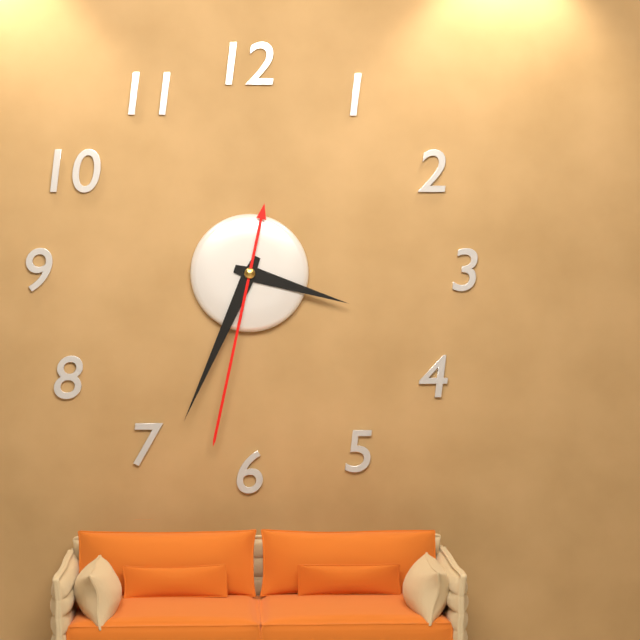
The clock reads 3,34,32
